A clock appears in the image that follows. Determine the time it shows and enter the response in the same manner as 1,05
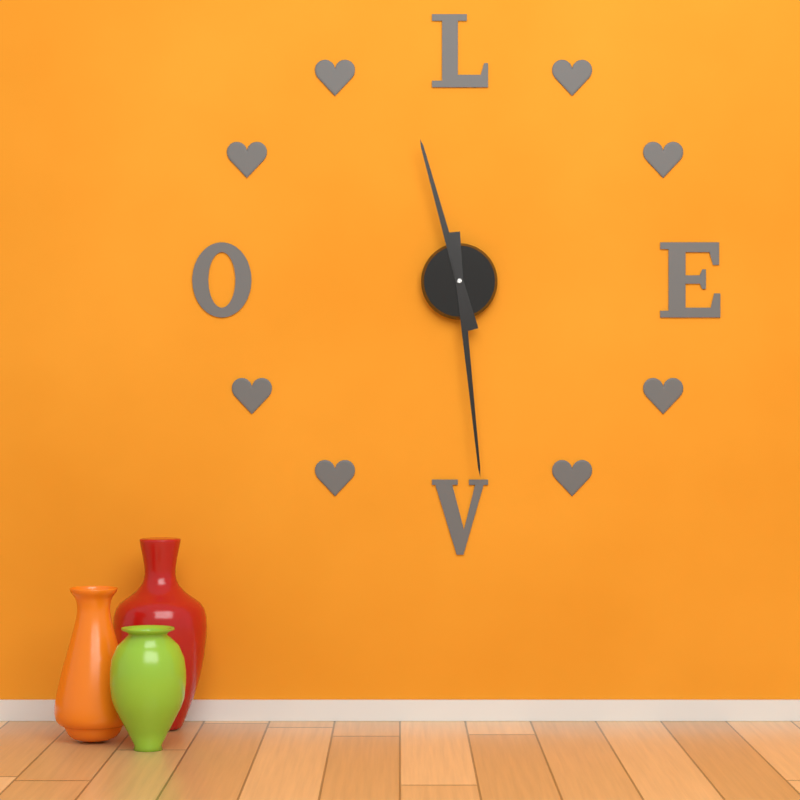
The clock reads 11,29
